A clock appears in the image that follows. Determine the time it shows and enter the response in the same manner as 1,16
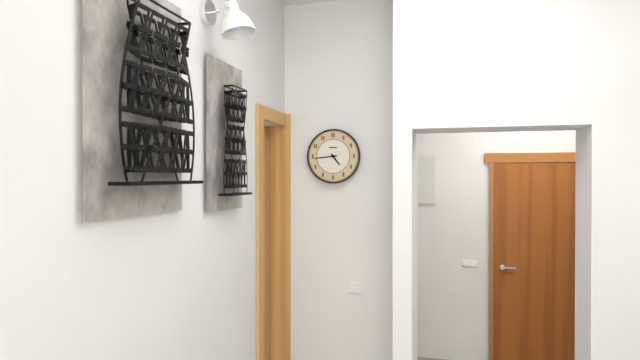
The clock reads 4,44
